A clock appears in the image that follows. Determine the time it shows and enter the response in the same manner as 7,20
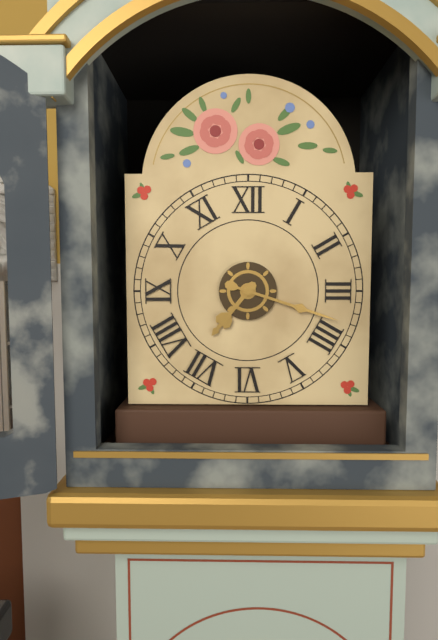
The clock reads 7,18
